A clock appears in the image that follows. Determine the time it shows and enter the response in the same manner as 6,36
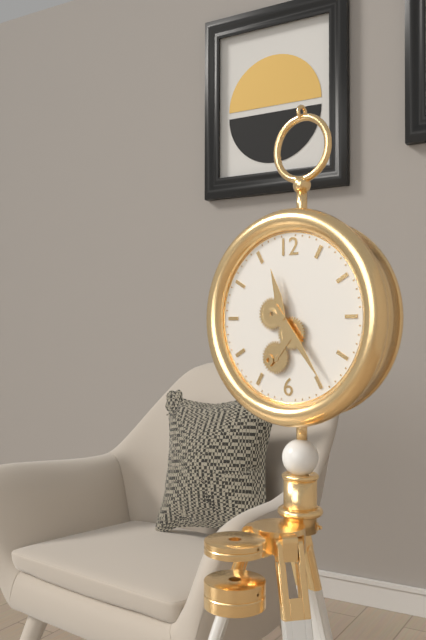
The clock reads 11,24
